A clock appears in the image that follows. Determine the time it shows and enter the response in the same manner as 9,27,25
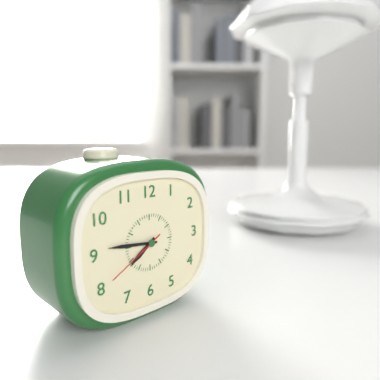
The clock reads 7,46,40
